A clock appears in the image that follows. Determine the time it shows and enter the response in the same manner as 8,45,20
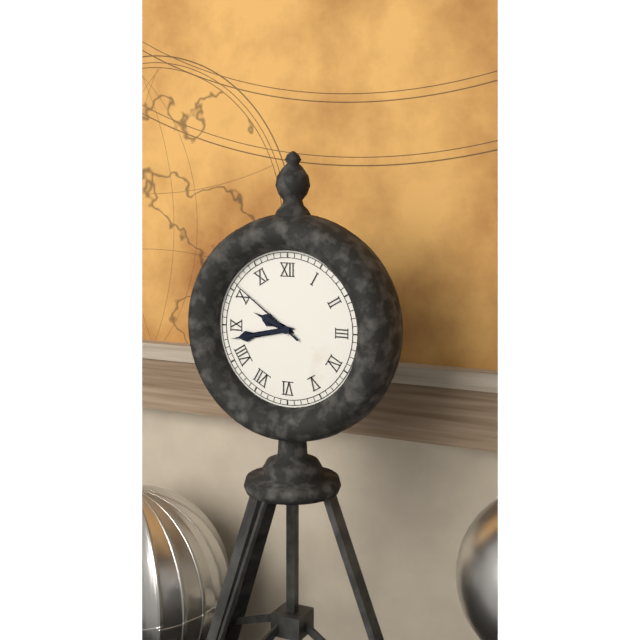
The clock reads 9,43,51
